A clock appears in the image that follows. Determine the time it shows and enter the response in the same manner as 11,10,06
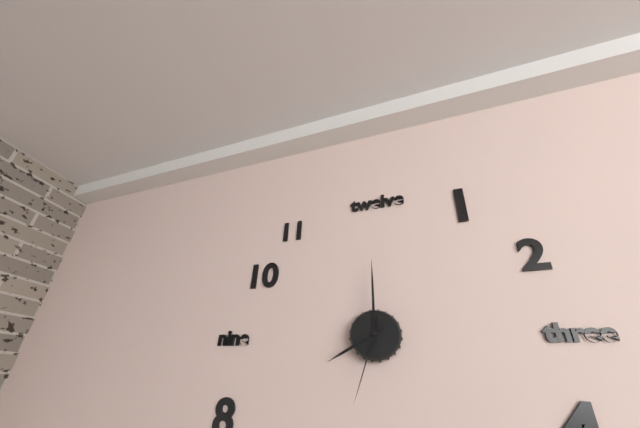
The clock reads 8,00,33
